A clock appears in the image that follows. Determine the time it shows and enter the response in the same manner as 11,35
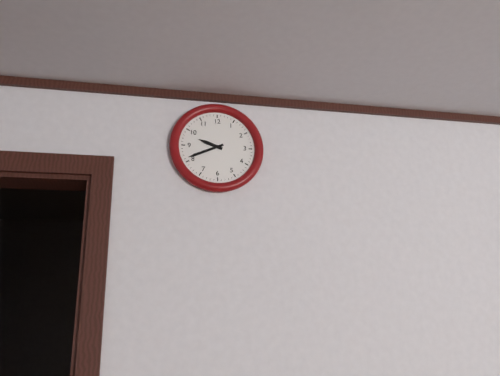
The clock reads 9,41
